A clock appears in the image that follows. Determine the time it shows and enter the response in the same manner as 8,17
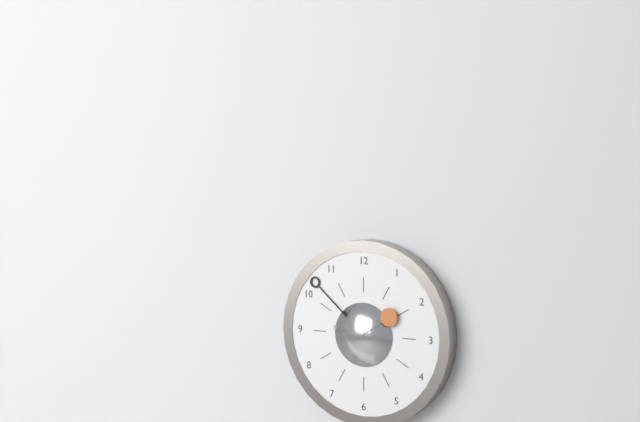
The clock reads 1,52
